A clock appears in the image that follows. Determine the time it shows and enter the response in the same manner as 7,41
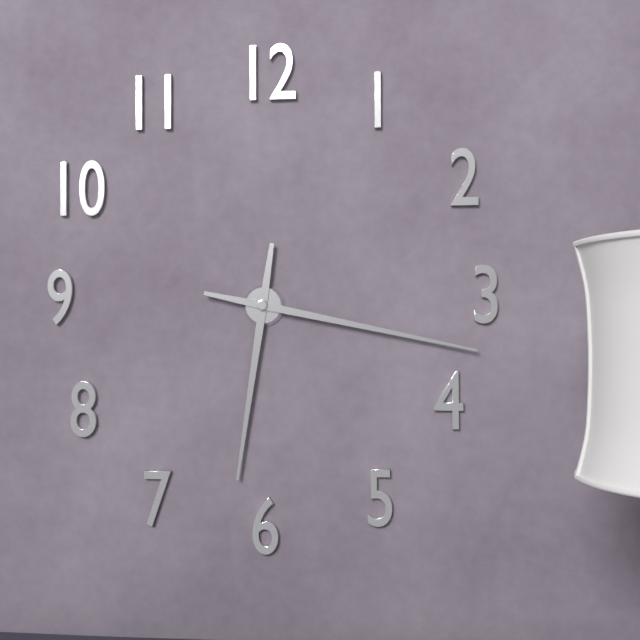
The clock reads 6,17
